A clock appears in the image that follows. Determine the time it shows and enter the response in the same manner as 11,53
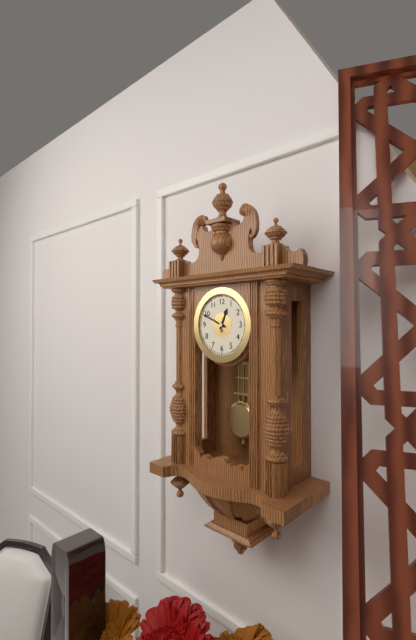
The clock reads 12,49
